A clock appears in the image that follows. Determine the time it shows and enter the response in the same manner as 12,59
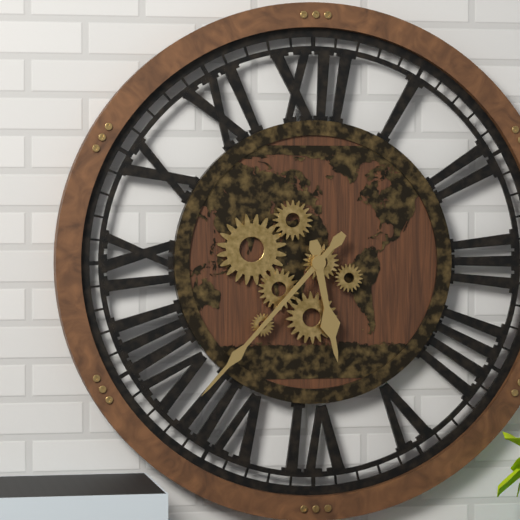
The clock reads 5,37
